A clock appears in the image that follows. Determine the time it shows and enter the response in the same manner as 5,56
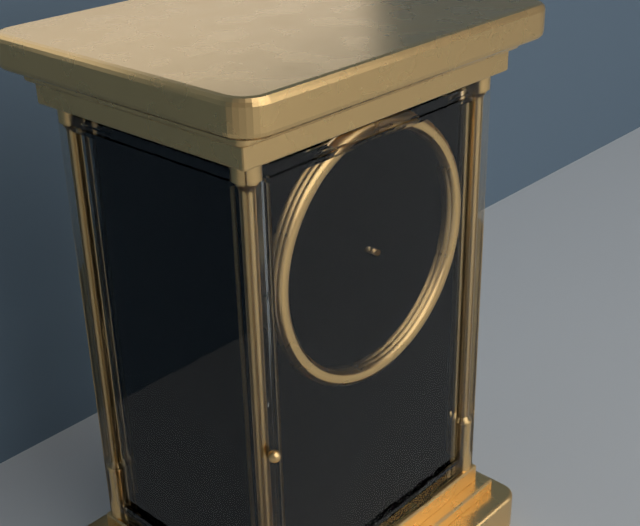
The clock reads 9,16
